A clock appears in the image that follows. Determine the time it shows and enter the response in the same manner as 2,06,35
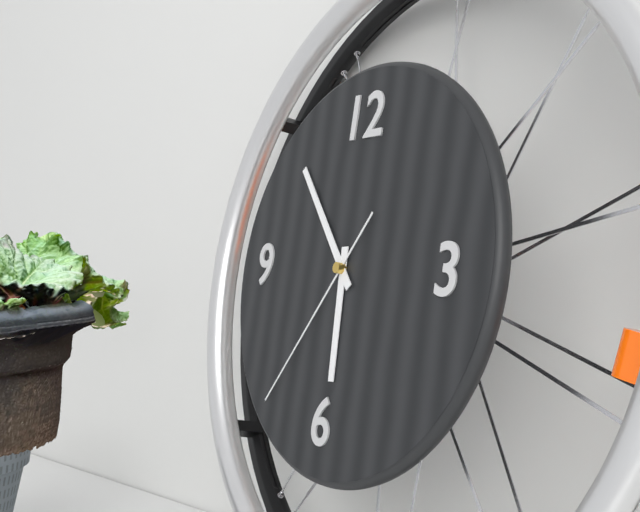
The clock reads 5,53,36
